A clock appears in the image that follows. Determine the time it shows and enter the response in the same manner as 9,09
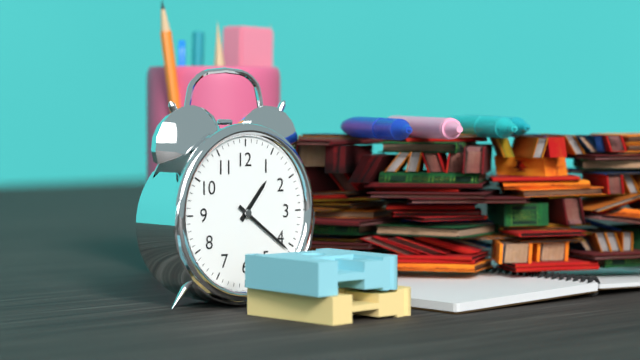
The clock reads 1,21
